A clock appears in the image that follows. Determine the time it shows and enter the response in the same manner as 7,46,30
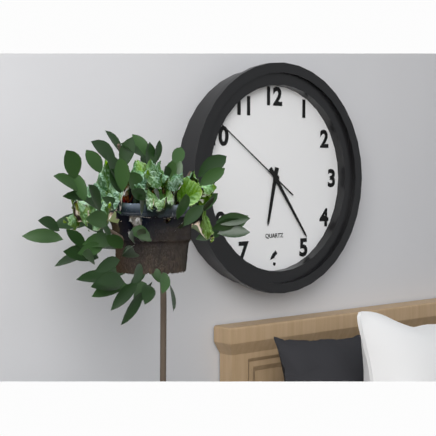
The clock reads 6,24,51
